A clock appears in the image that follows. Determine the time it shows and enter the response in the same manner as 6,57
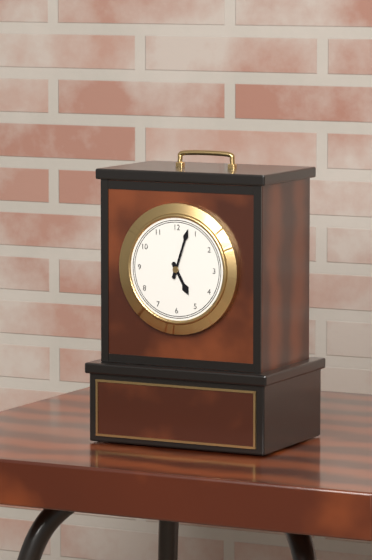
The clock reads 5,03
